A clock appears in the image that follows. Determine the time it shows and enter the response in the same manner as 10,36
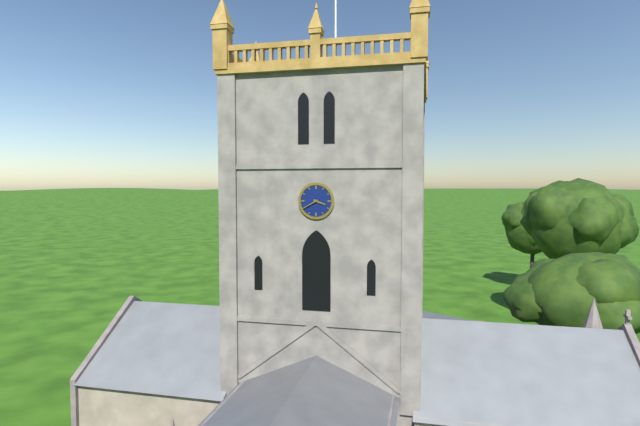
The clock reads 3,40
